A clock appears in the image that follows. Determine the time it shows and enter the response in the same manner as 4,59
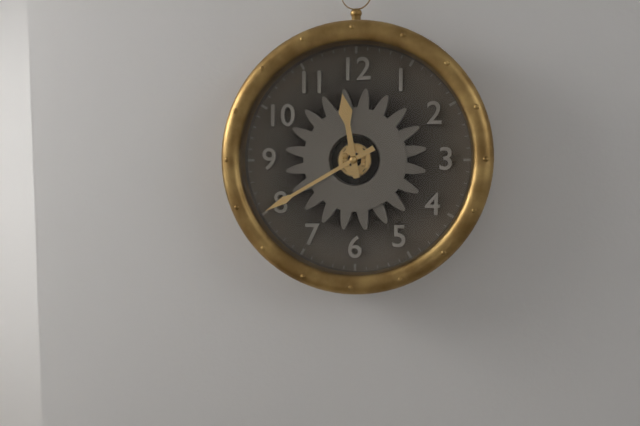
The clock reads 11,40
